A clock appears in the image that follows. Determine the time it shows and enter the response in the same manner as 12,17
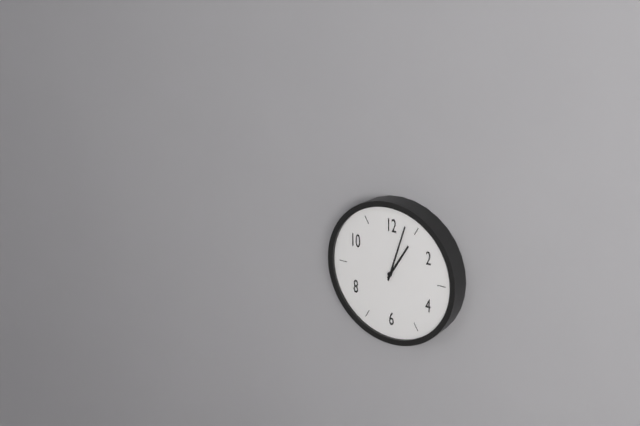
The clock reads 1,03
